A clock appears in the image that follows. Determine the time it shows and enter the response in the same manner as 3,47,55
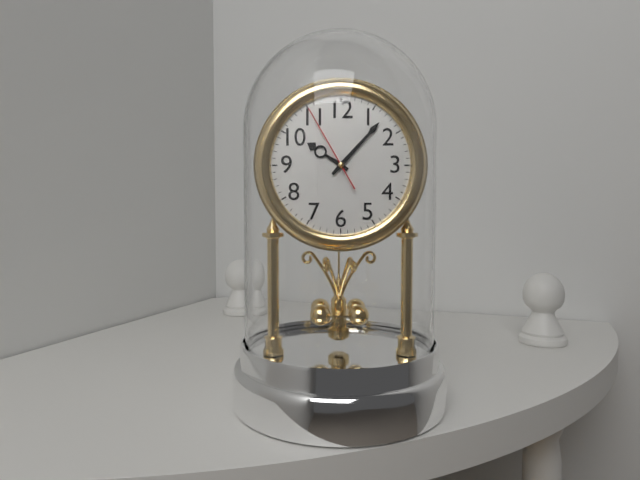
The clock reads 10,07,55
